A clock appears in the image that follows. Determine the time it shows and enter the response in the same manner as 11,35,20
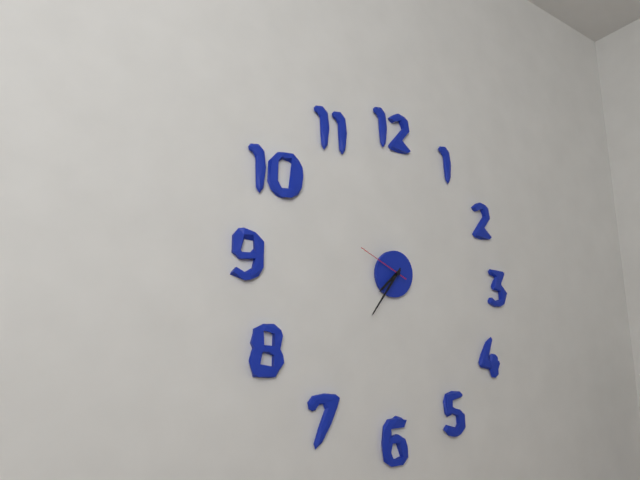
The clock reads 7,36,49
